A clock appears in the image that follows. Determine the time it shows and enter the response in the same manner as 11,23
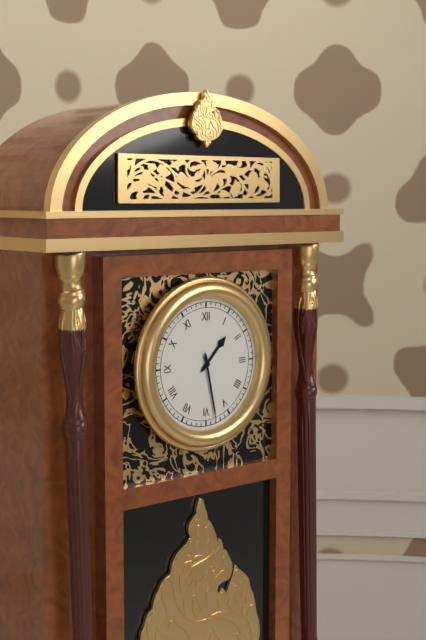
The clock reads 1,28
